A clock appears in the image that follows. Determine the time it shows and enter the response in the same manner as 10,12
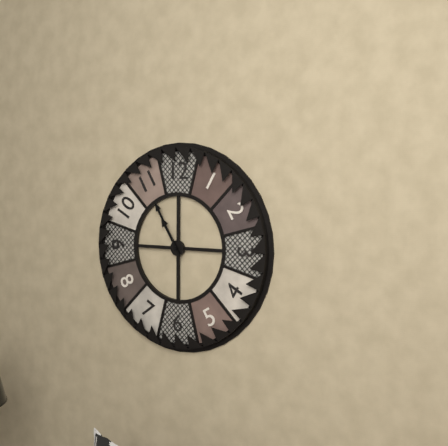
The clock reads 10,55
